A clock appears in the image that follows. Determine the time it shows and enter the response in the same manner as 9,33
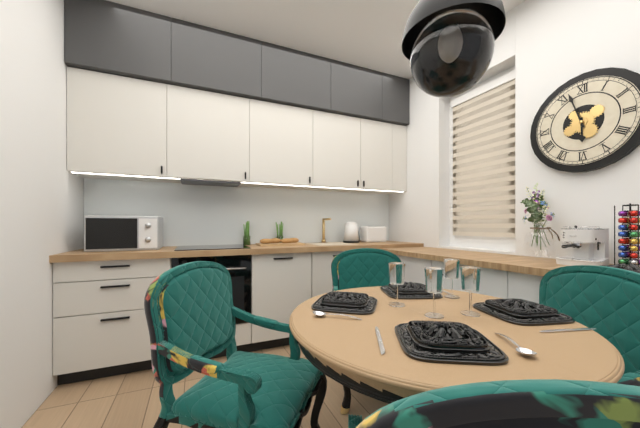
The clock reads 5,57
